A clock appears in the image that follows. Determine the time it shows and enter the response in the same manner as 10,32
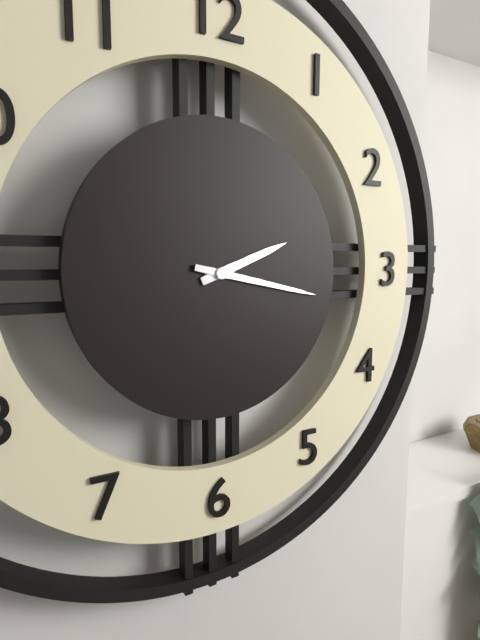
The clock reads 2,17
